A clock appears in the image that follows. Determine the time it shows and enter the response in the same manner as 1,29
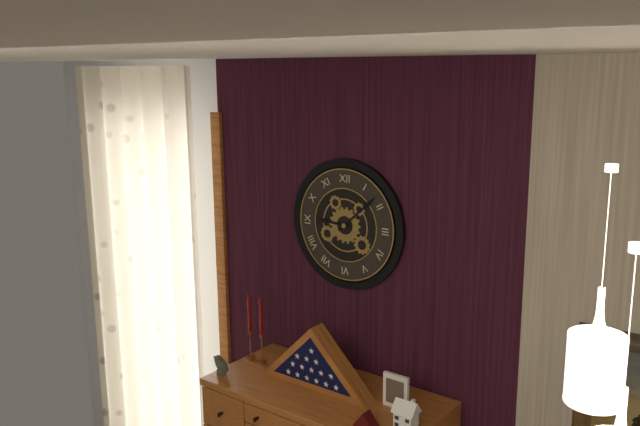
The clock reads 9,08
